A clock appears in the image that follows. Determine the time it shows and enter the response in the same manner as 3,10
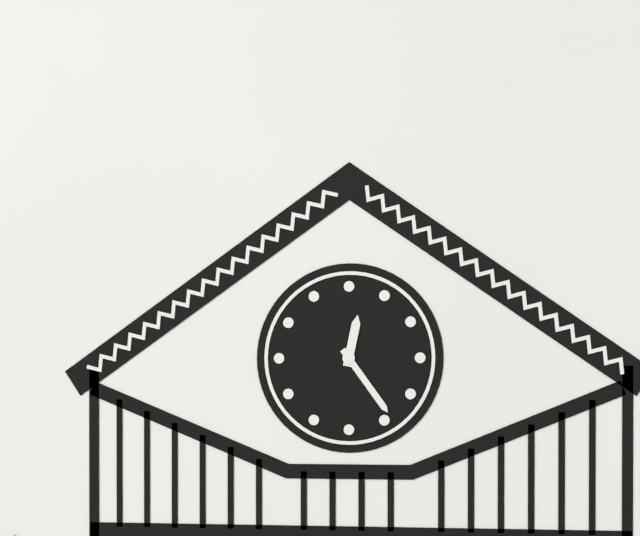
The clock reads 12,24
